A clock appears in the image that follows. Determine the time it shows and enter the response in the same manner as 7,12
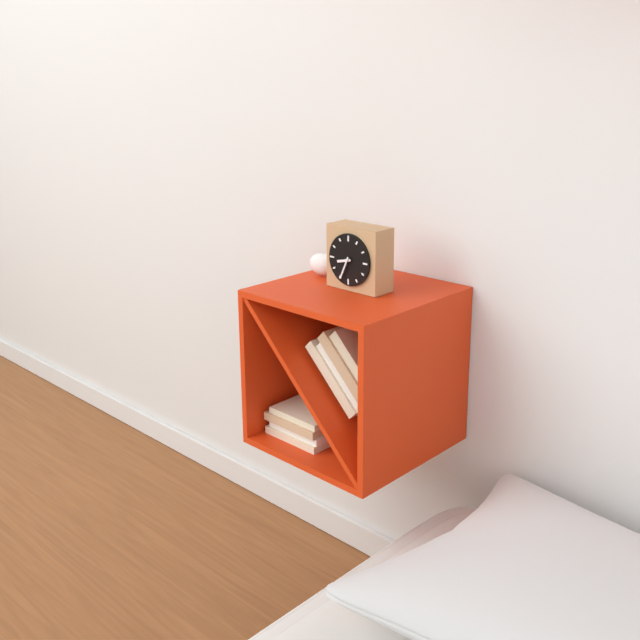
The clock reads 8,34
